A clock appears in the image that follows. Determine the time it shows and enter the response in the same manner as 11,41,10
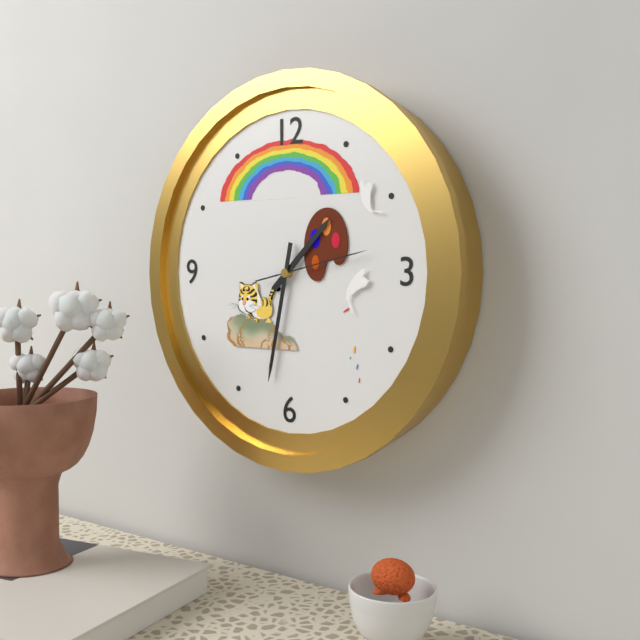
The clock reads 1,32,13
